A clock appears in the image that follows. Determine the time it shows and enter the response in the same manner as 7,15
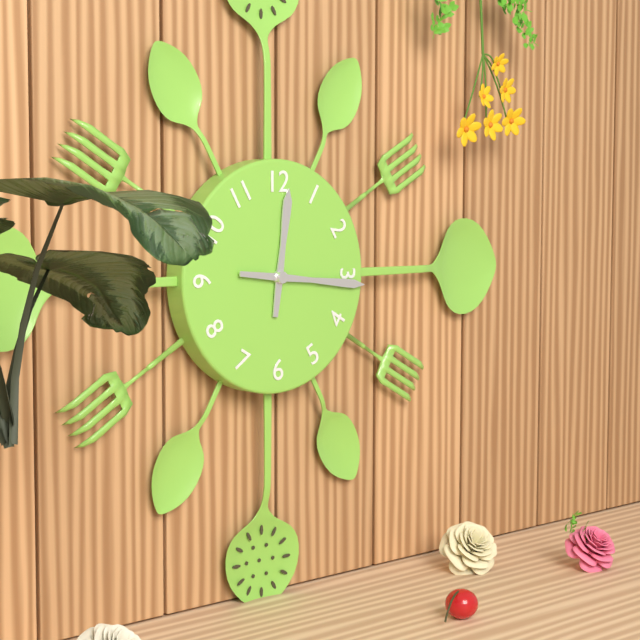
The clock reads 12,16
